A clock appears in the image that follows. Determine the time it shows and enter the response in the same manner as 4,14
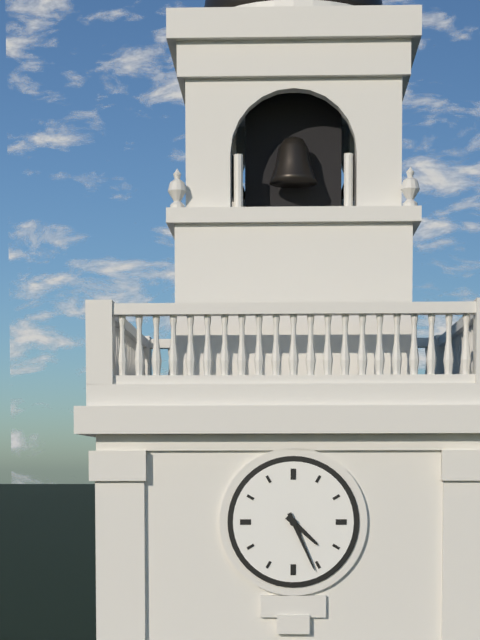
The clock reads 4,26
